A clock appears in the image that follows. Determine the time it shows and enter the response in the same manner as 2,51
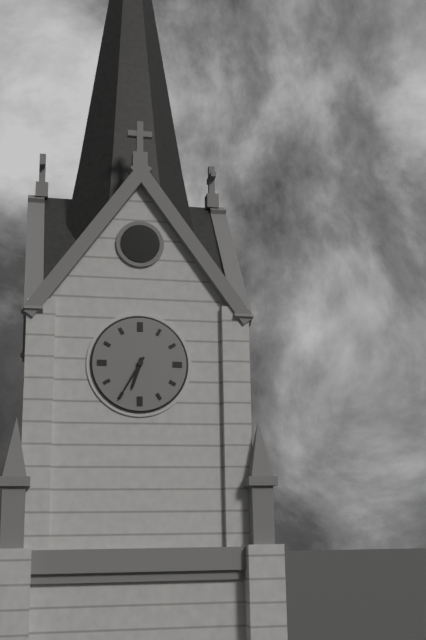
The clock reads 6,35
